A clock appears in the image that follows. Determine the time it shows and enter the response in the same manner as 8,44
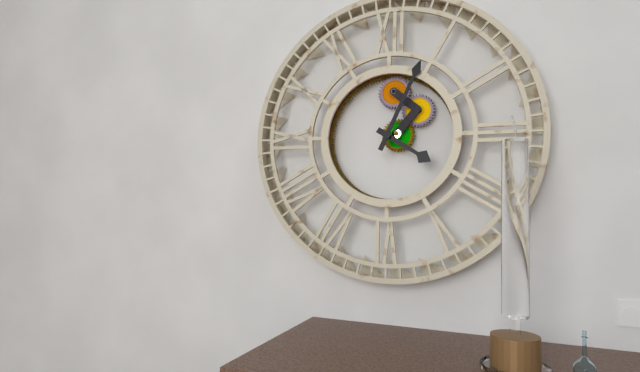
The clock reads 4,04
